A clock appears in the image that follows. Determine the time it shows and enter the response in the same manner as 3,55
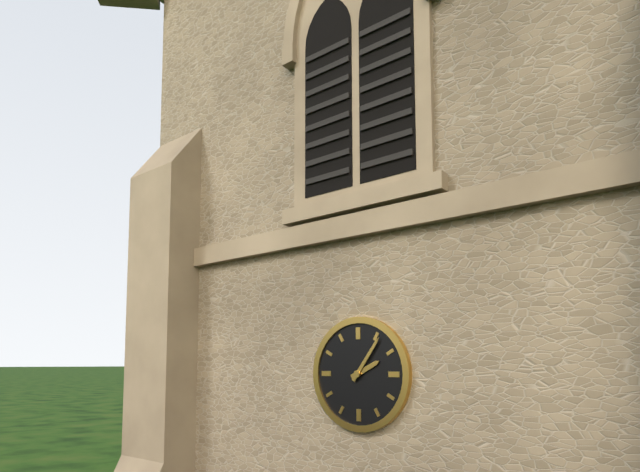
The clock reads 2,06
